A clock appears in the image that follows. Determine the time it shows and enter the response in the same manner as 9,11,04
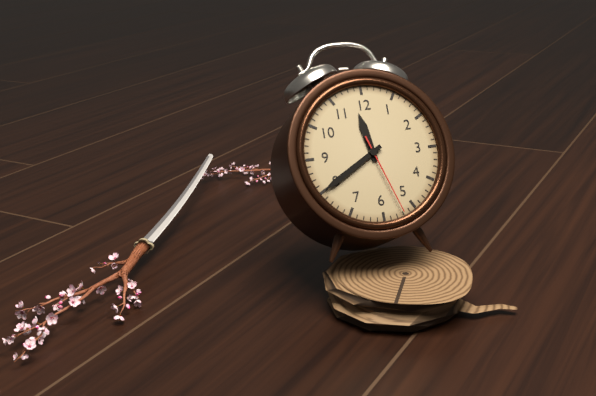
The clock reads 11,40,27
